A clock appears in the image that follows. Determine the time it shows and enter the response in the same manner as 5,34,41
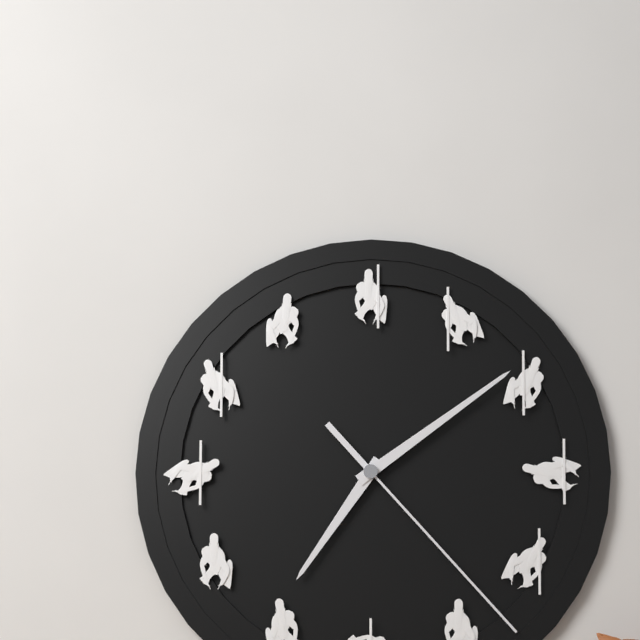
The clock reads 7,09,23
